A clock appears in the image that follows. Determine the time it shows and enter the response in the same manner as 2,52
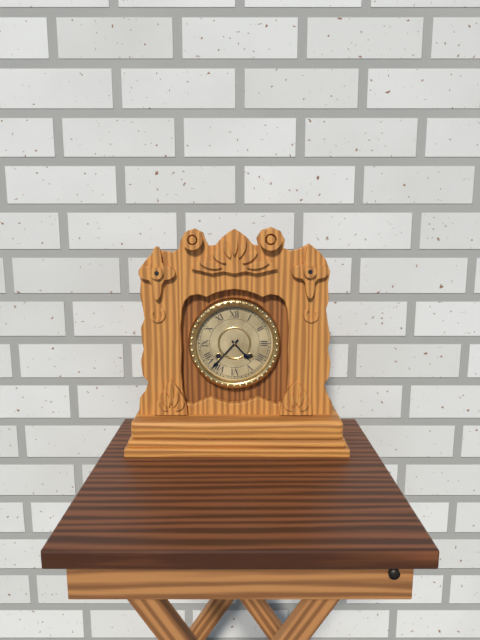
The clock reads 4,37
